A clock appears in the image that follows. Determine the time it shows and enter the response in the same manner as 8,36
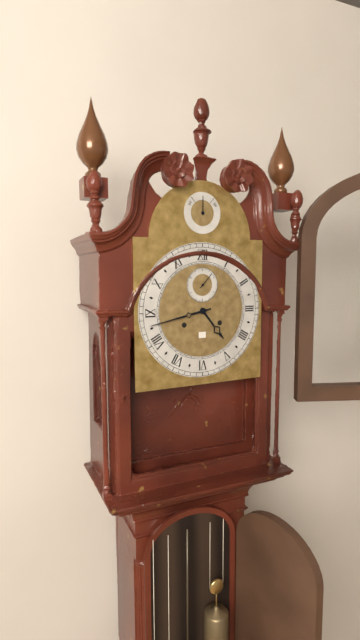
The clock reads 4,43
